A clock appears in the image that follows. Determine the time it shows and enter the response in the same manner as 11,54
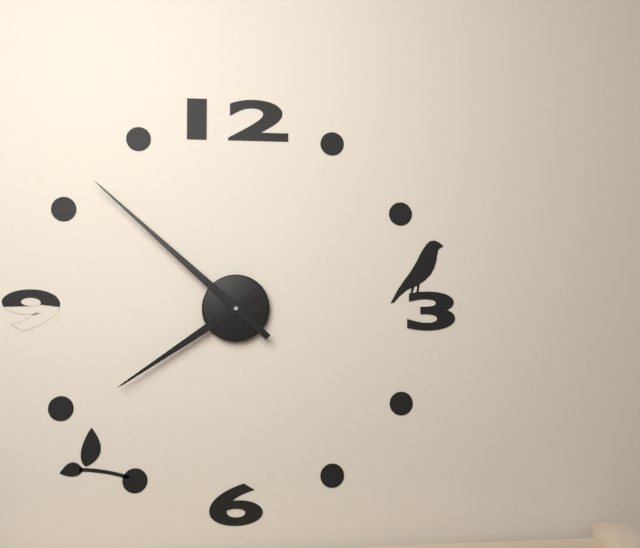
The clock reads 7,52
